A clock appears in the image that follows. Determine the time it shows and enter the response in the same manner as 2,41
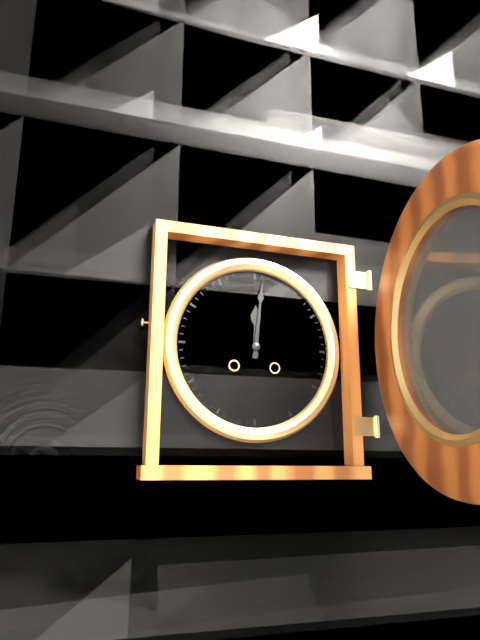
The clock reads 12,01
